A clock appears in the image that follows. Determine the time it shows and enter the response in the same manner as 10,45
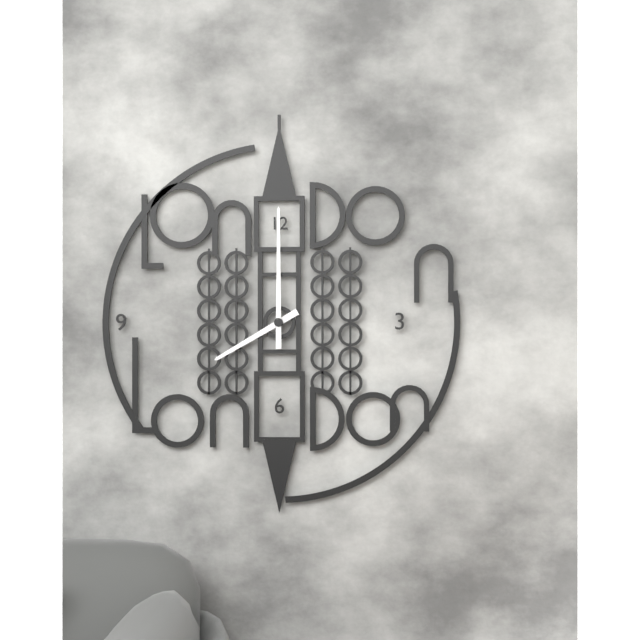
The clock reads 8,00
